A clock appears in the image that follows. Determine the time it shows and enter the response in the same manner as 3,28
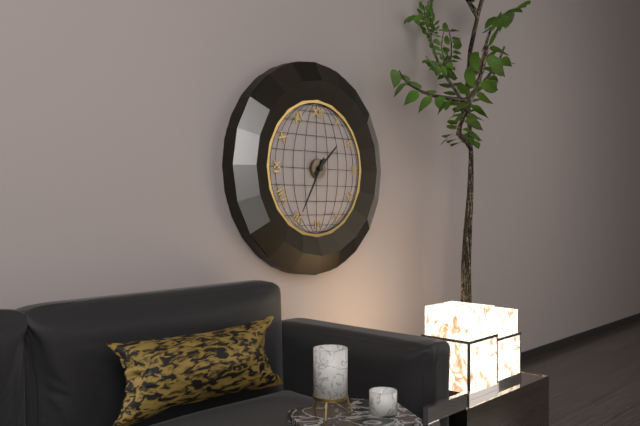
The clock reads 1,35
